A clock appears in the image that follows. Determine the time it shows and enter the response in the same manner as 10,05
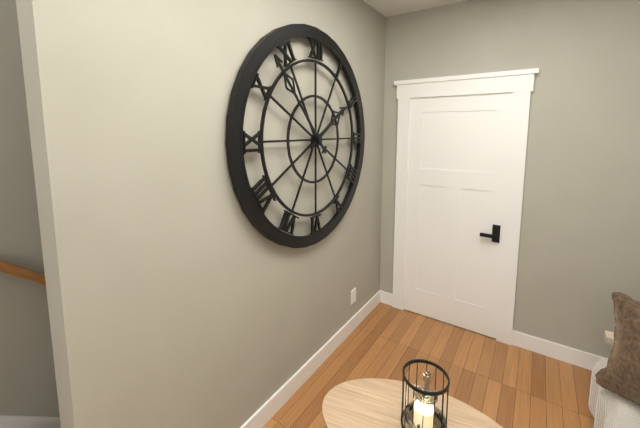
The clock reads 1,53
